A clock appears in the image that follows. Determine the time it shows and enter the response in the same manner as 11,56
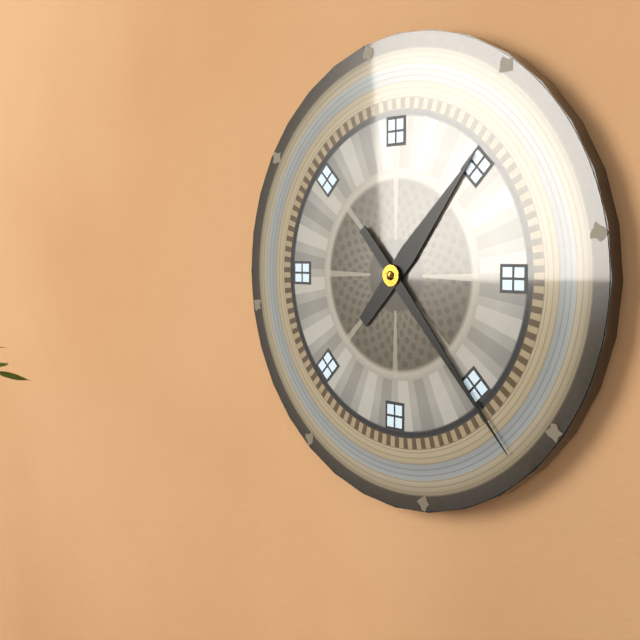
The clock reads 1,23
